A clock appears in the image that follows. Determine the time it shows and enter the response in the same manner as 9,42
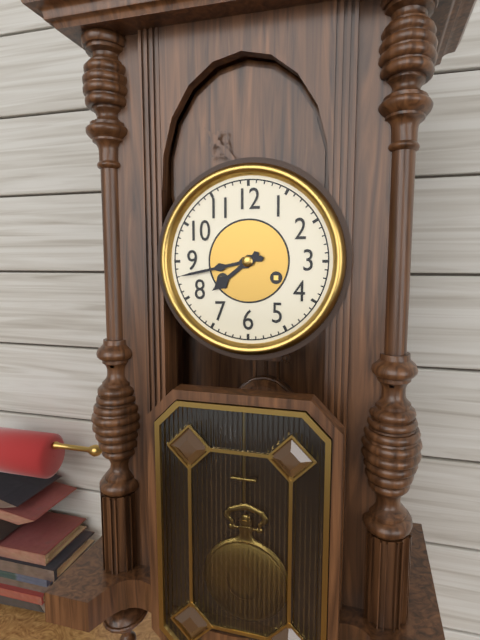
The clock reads 7,43
